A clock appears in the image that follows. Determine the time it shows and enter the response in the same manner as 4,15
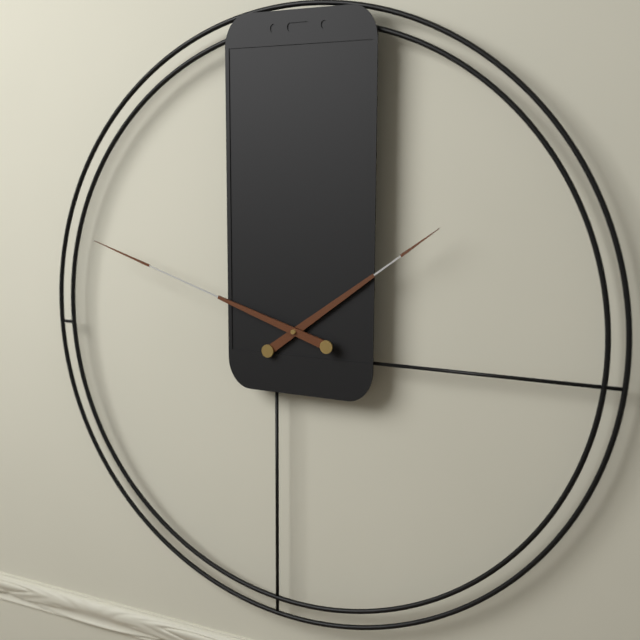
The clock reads 1,48
